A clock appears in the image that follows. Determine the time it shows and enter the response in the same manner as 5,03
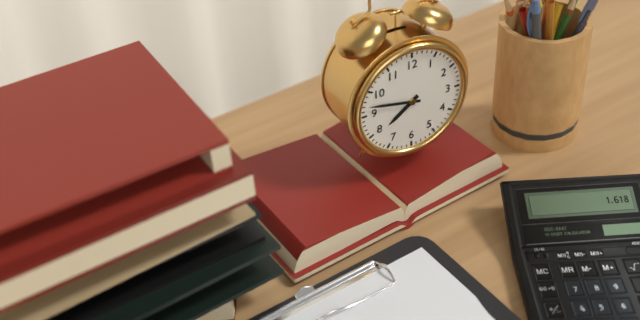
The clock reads 7,47
